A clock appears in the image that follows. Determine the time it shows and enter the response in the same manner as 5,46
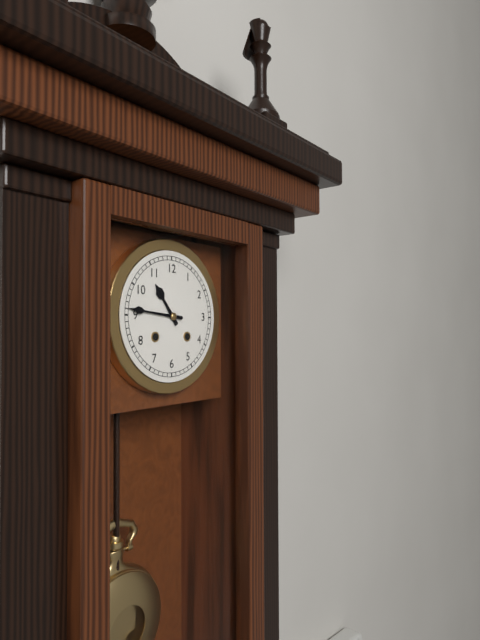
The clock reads 10,46
